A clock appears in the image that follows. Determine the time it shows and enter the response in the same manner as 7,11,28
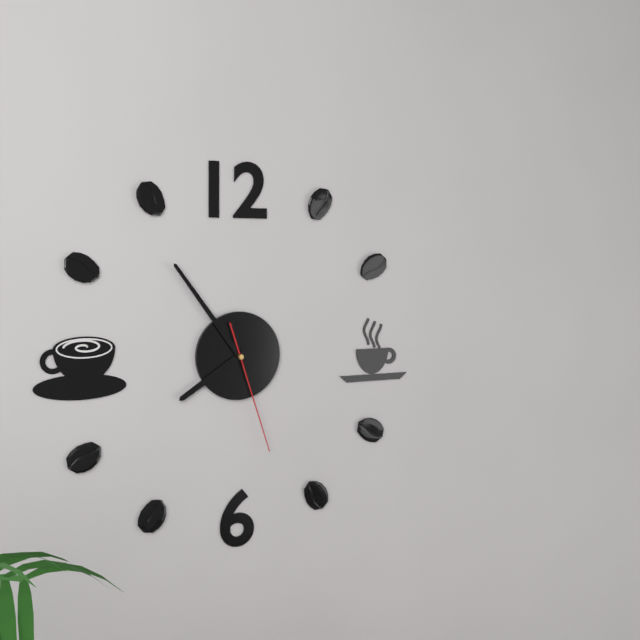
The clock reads 7,54,27
